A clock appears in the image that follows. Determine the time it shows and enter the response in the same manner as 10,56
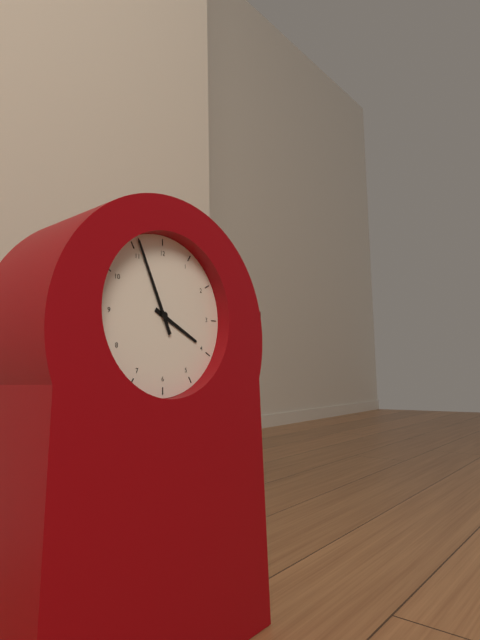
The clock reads 3,56
